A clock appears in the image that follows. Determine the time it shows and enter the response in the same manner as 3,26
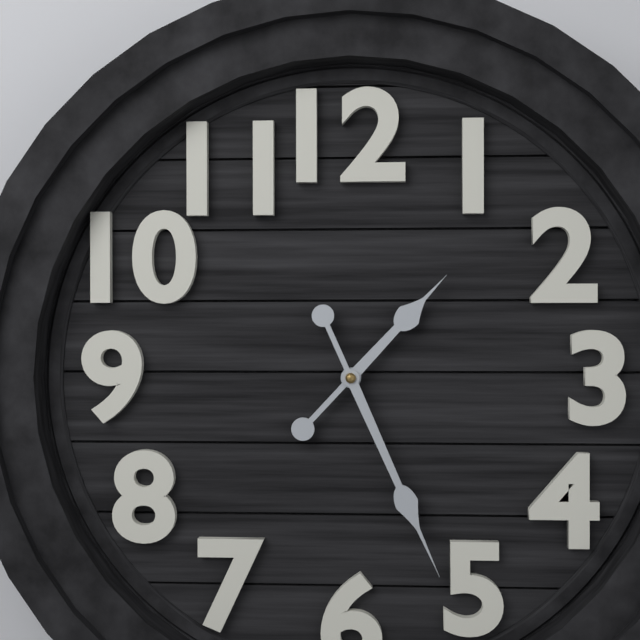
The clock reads 1,26
